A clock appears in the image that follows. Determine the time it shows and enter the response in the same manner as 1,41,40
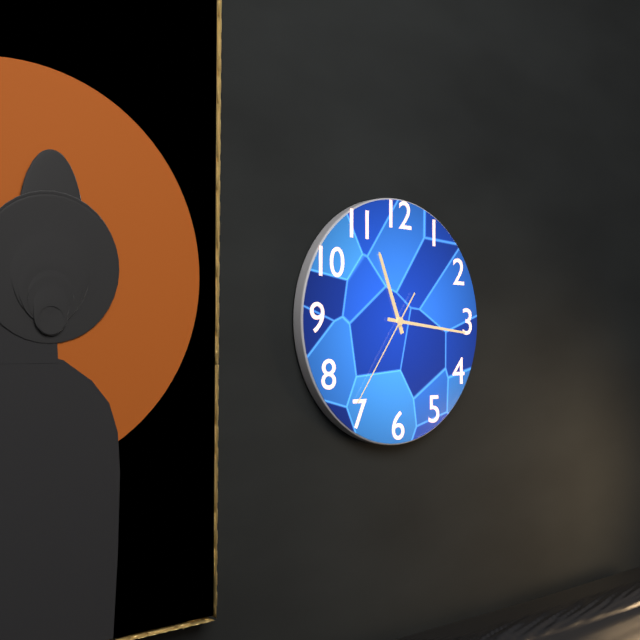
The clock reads 11,16,36
